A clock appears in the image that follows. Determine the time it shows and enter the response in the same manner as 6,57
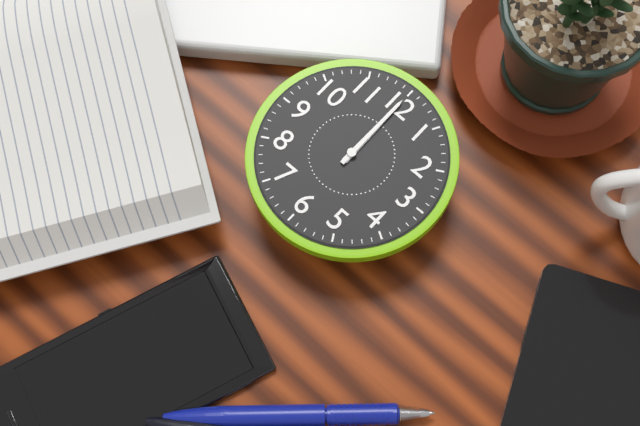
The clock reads 12,00
